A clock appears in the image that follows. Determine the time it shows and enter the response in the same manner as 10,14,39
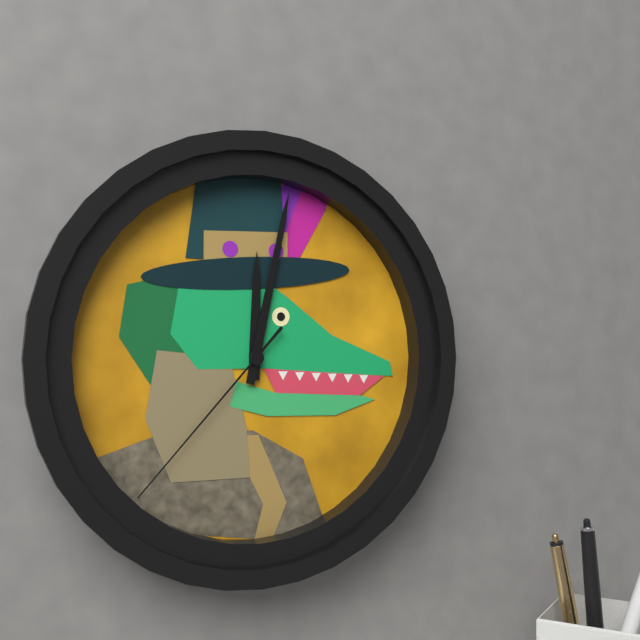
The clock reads 12,02,37
